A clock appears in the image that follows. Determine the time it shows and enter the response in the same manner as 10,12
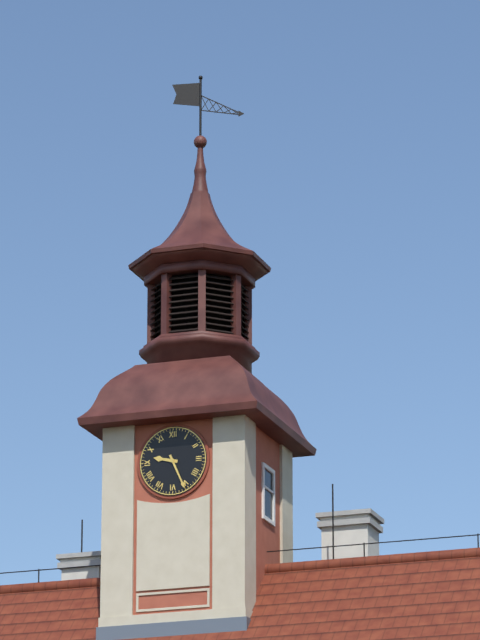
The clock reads 9,26
